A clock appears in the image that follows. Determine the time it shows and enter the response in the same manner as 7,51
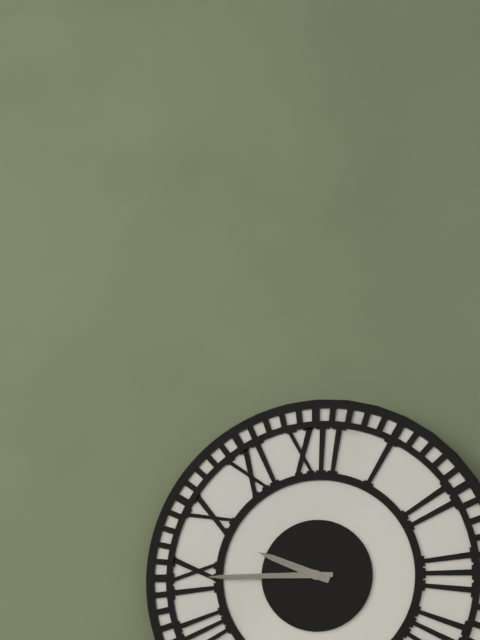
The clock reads 9,45
